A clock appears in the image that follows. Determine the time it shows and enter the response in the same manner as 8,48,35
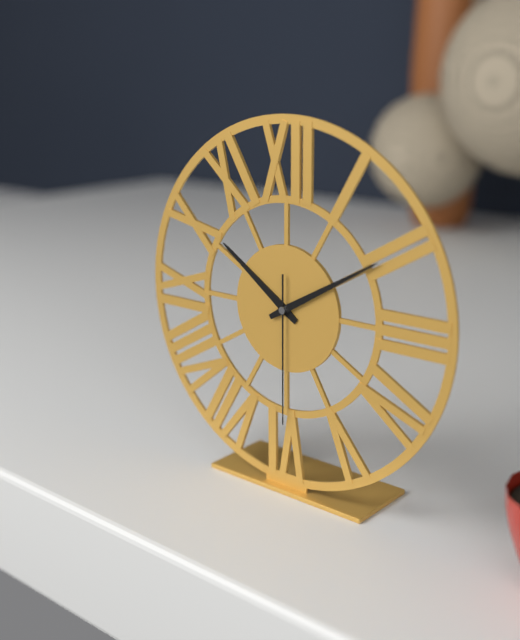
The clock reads 10,10,30
